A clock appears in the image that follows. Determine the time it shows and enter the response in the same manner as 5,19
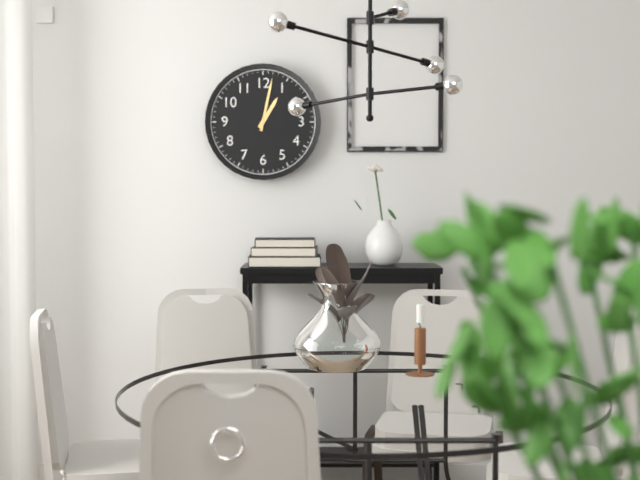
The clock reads 1,02
